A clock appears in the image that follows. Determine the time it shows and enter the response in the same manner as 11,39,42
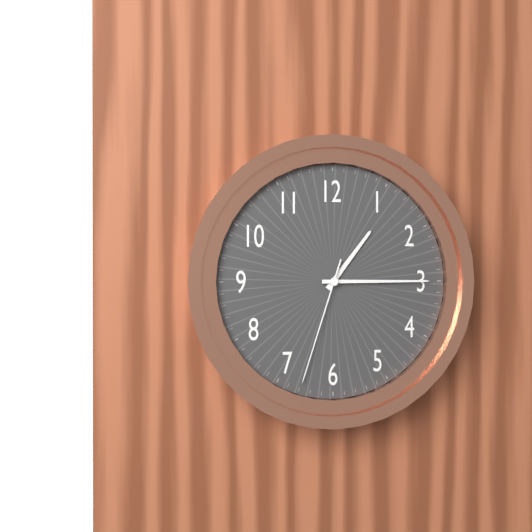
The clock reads 1,15,33
